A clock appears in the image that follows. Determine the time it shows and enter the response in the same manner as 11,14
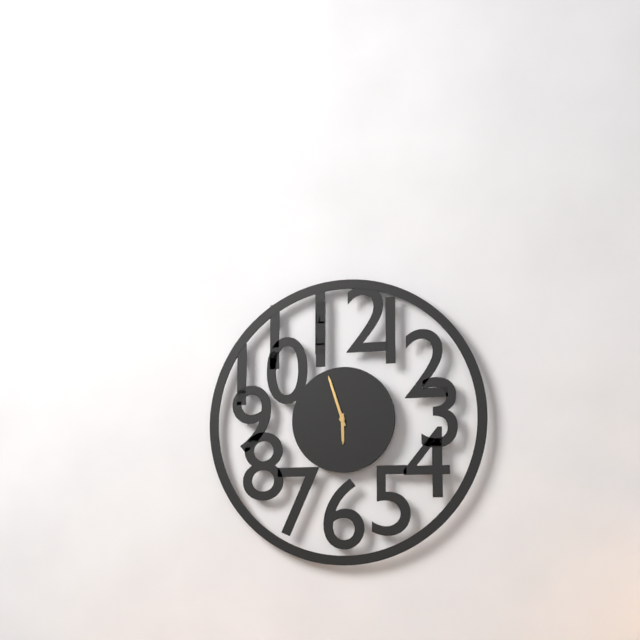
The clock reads 5,57
